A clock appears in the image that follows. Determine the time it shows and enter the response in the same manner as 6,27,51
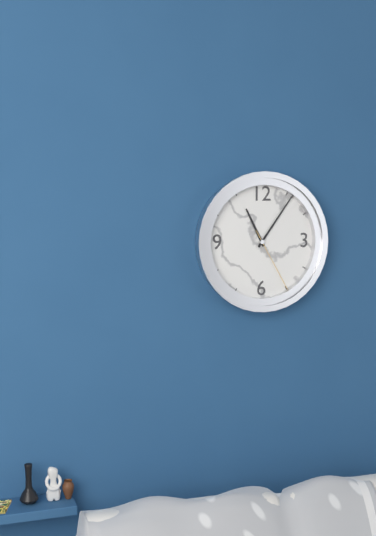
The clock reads 11,06,25
